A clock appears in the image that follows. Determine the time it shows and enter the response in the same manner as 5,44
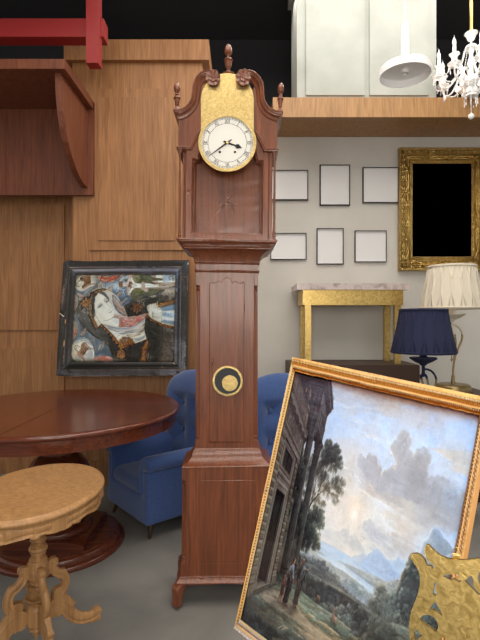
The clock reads 3,39
